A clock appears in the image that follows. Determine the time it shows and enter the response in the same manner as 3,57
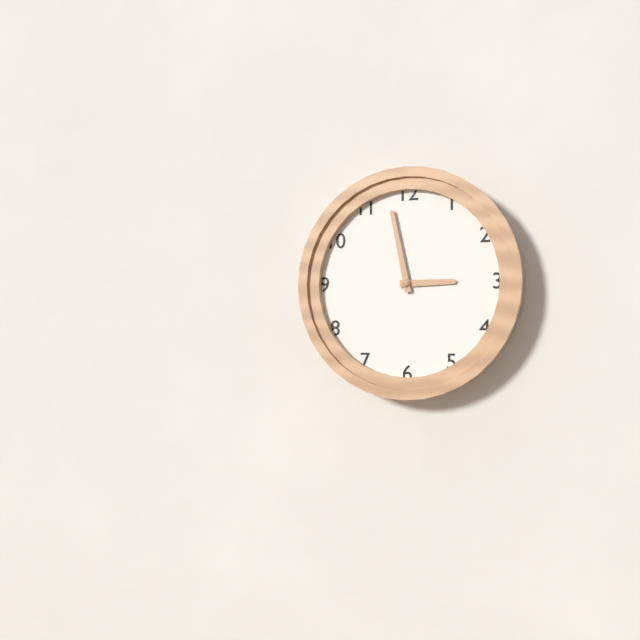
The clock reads 2,58
